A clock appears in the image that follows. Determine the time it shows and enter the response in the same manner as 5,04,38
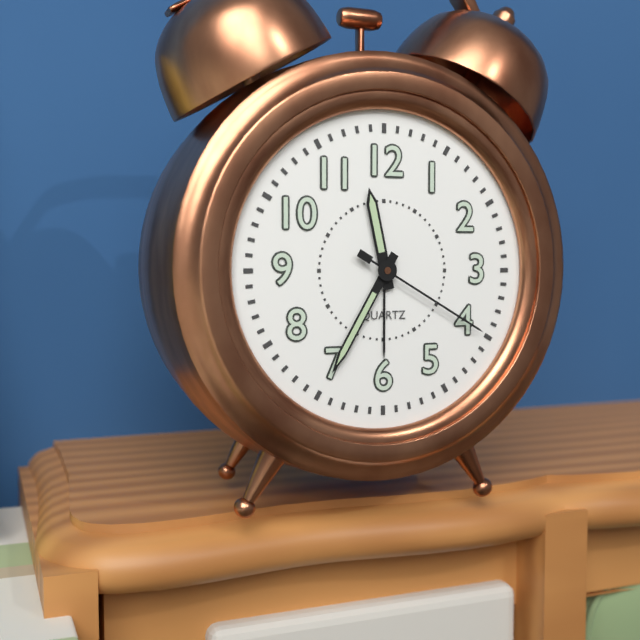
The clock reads 11,35,20
